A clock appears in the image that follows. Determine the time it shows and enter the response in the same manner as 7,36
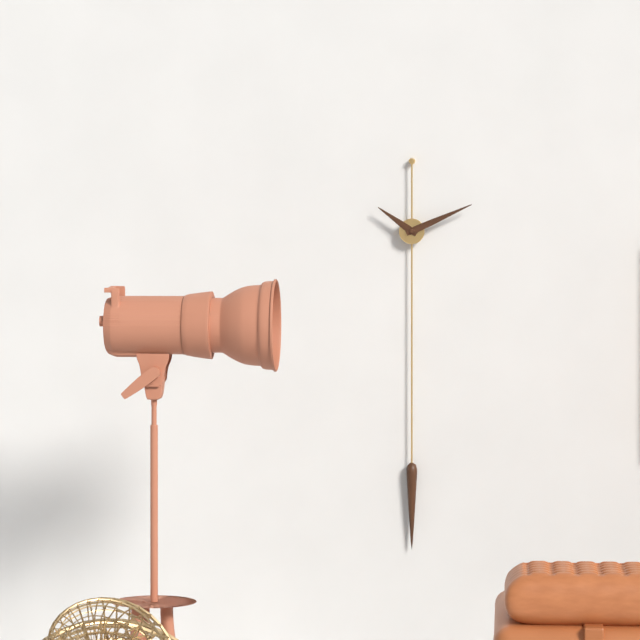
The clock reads 10,11
